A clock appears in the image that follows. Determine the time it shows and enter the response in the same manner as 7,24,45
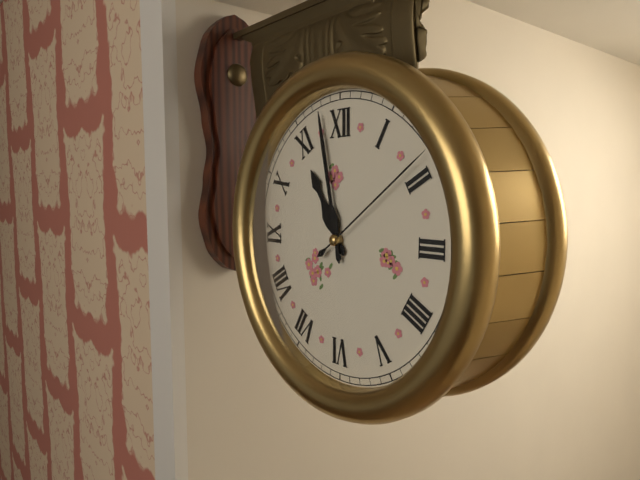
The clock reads 10,58,09
